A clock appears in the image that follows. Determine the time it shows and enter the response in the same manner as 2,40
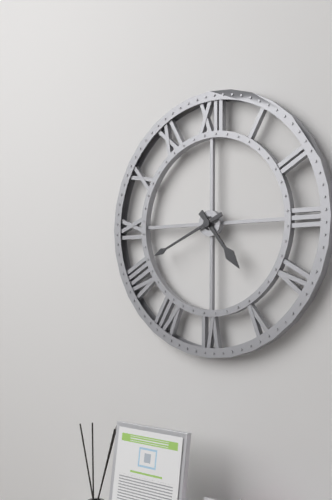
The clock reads 4,41
